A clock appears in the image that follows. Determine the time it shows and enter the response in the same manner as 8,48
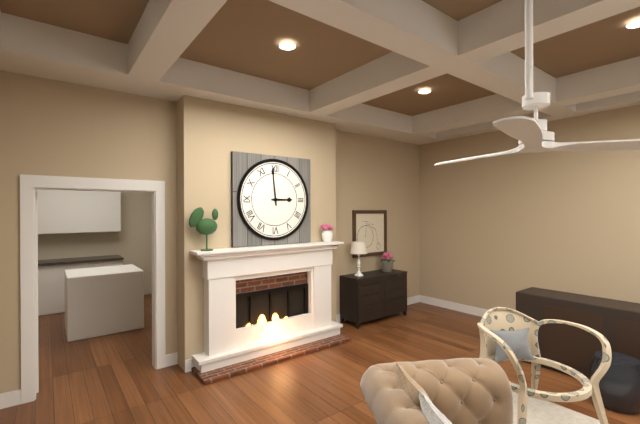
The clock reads 2,59
